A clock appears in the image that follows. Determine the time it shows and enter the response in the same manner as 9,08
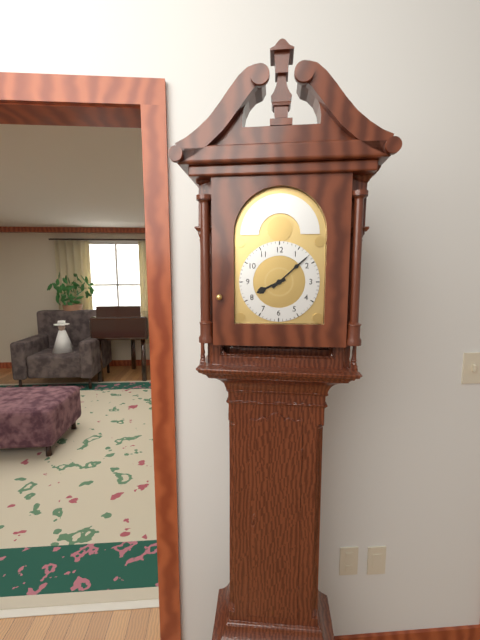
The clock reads 8,08
